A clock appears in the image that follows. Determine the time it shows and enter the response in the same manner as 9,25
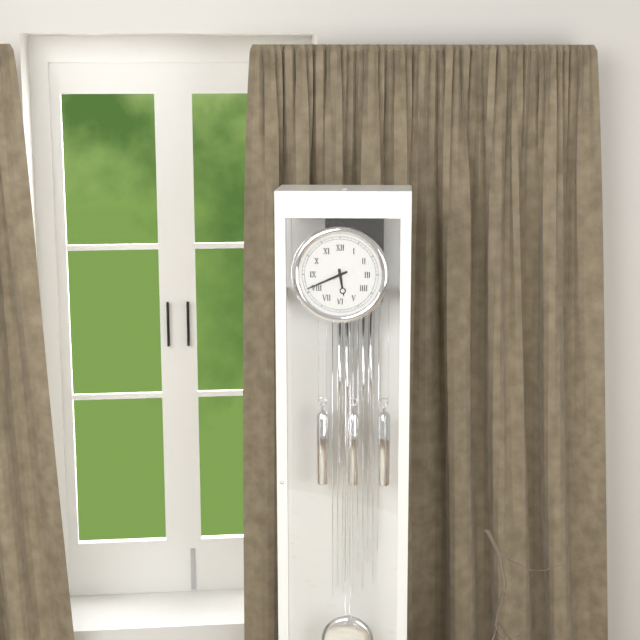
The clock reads 5,41
